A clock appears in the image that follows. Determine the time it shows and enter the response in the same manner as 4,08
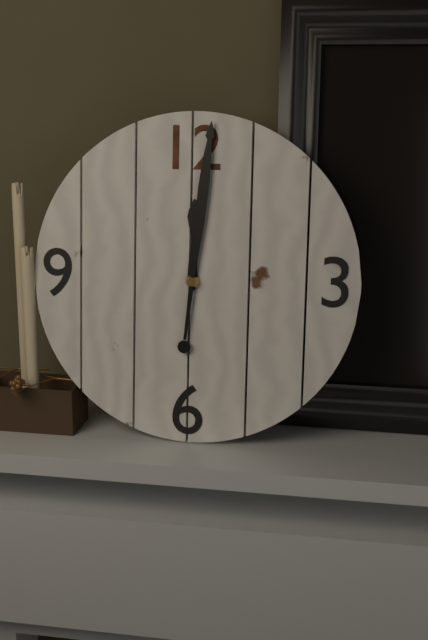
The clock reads 12,01
